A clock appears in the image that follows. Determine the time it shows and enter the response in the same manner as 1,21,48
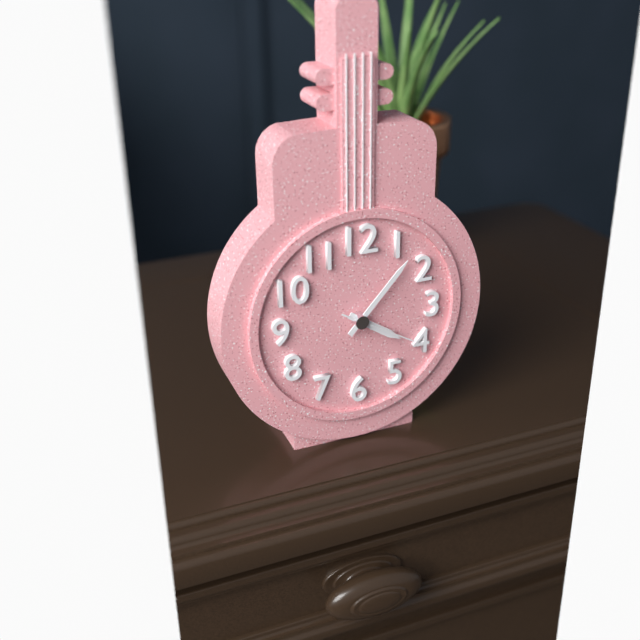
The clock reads 4,07,20
